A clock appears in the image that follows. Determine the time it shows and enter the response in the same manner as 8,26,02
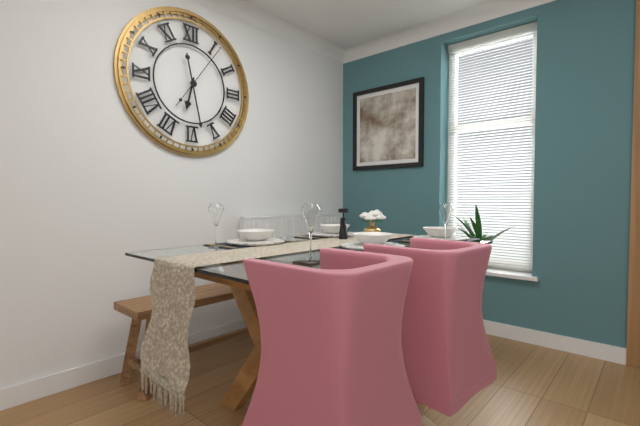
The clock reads 6,28,06
